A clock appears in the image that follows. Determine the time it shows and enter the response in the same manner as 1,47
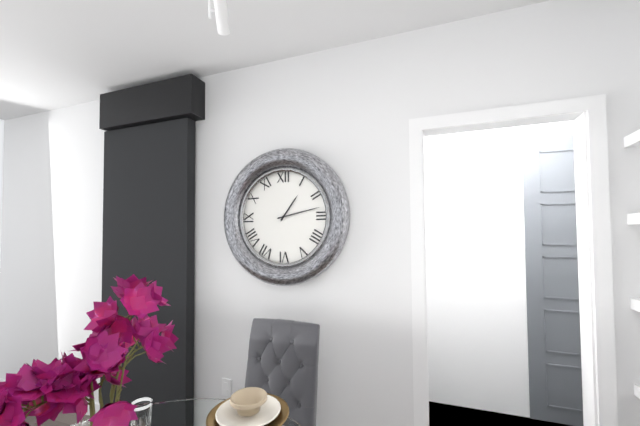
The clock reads 1,13
